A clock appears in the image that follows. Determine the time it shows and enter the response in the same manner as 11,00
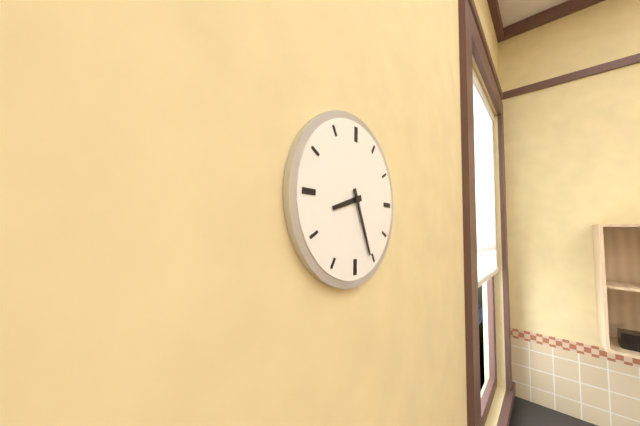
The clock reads 8,26
